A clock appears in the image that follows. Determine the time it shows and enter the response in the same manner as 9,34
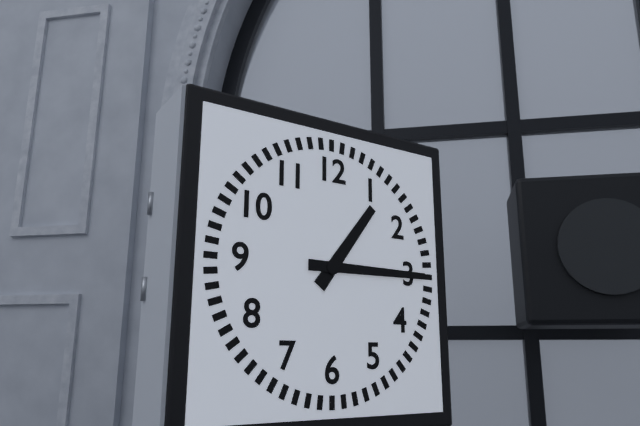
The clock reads 1,15
